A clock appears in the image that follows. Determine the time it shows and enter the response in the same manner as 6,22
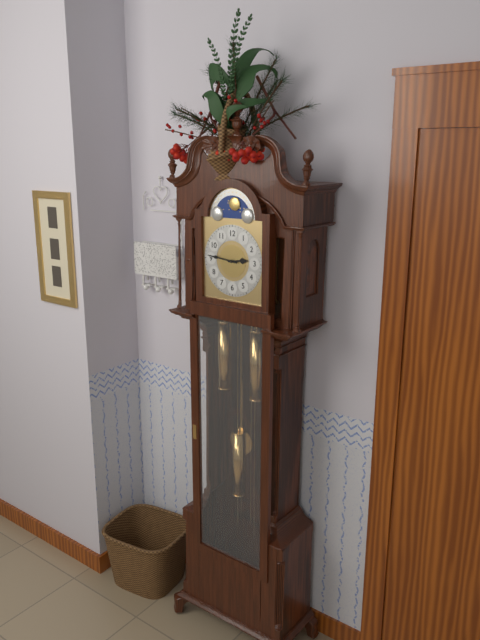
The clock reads 2,46
